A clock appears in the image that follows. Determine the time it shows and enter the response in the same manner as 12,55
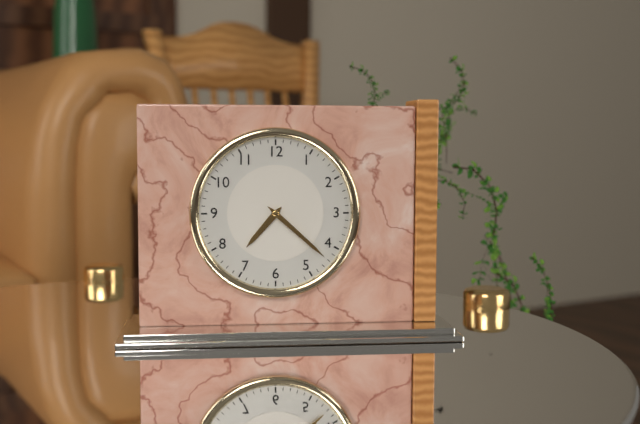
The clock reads 7,22
